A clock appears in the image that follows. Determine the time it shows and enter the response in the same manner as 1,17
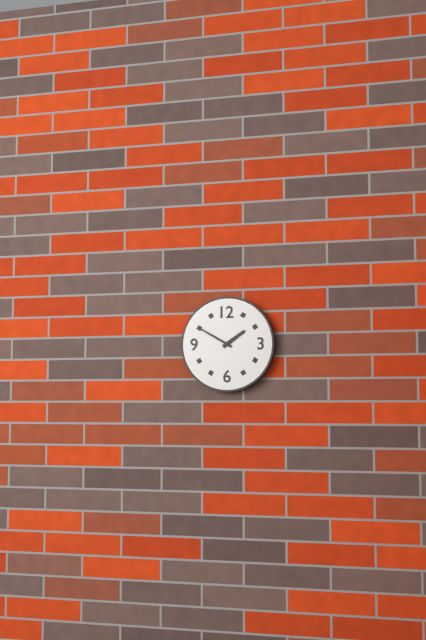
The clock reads 1,50
